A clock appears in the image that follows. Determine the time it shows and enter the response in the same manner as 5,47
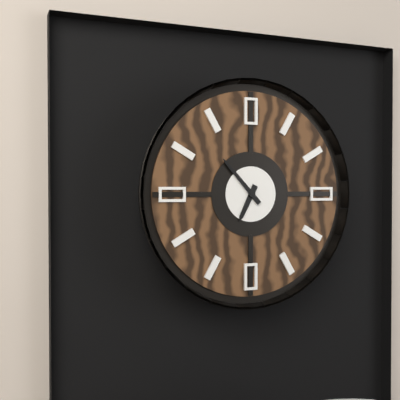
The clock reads 6,53
